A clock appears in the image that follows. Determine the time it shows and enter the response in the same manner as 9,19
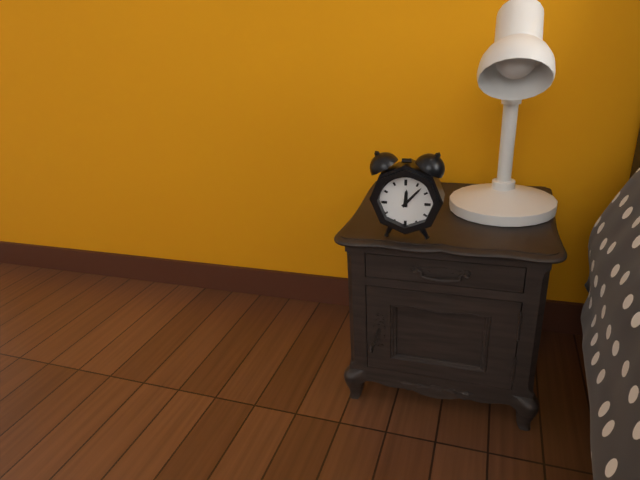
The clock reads 12,07
